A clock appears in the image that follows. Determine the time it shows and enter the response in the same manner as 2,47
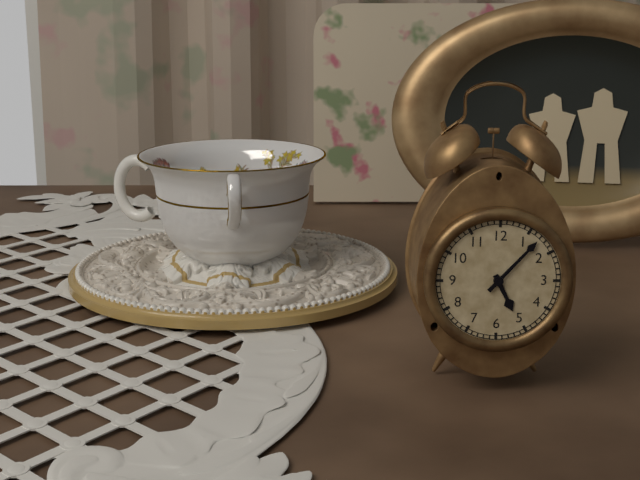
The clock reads 5,07
